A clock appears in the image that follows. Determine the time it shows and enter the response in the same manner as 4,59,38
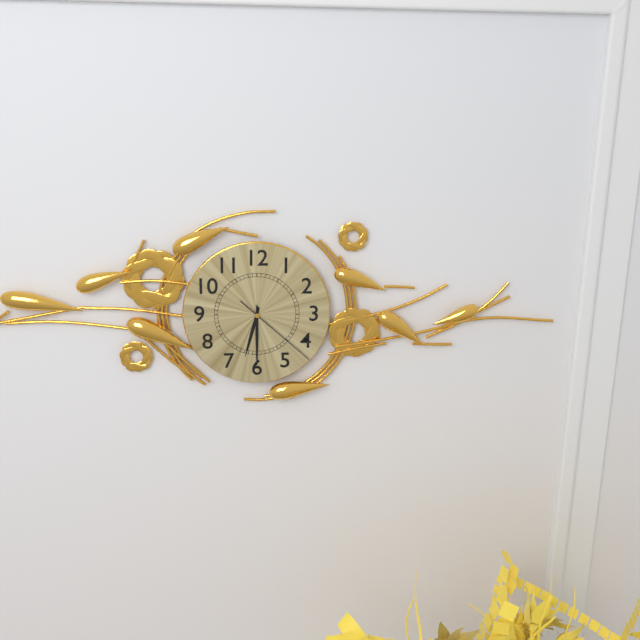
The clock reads 6,30,22
